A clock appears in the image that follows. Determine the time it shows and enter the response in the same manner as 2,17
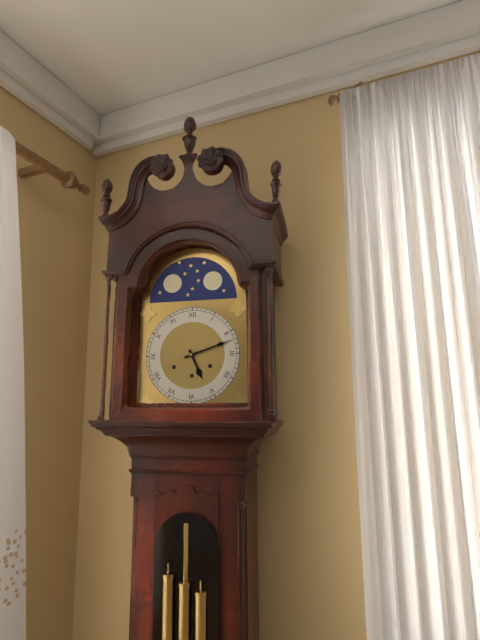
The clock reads 5,12
